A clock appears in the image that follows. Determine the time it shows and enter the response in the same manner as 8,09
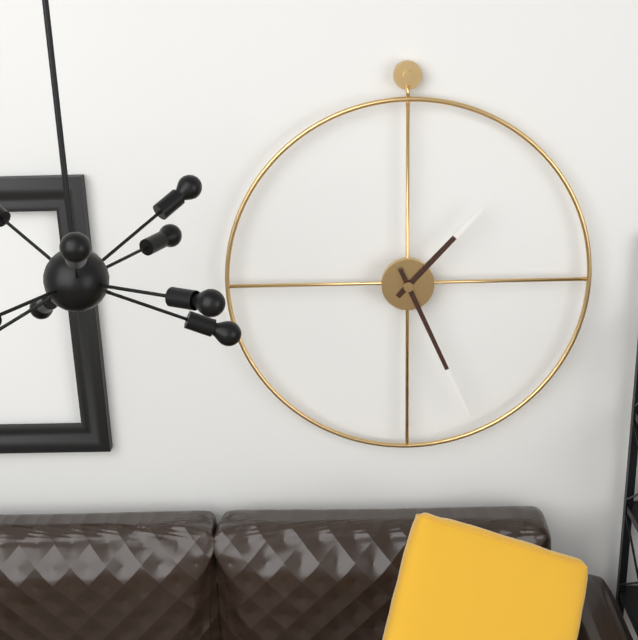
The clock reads 1,26
